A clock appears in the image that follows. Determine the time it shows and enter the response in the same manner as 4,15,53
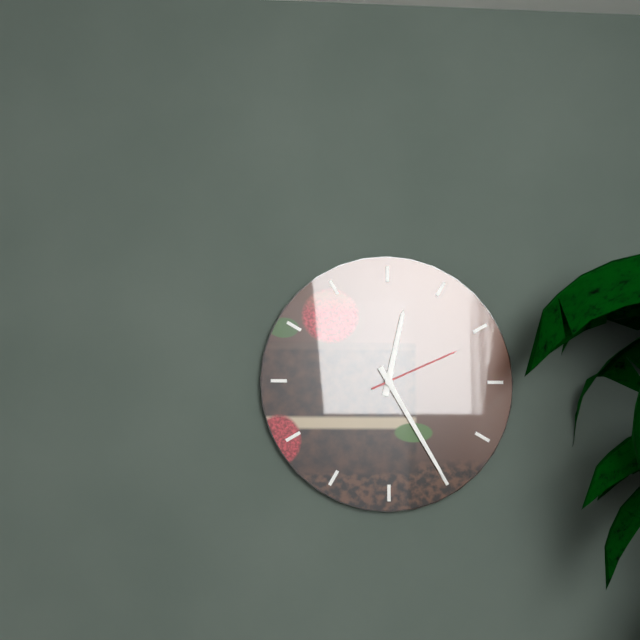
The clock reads 12,25,11
